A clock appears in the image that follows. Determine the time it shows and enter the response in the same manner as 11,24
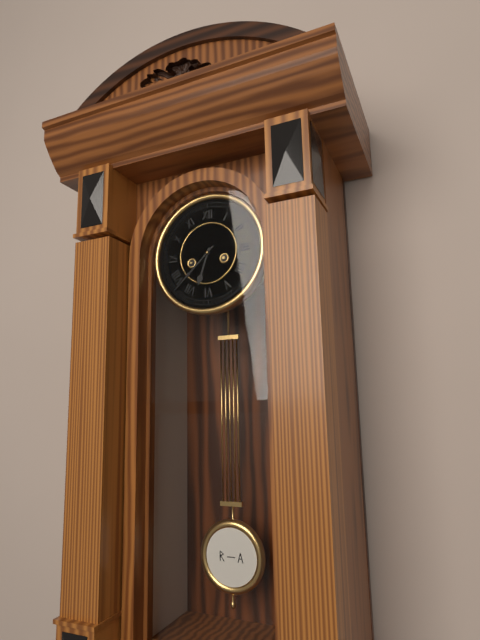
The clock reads 6,38
